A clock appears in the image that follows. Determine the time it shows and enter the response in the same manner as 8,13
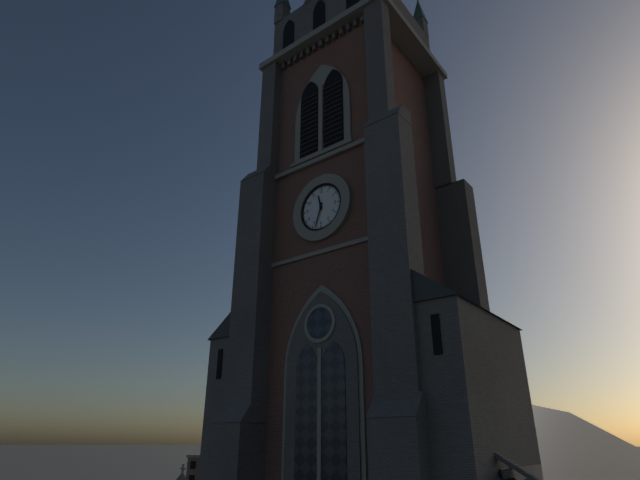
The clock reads 11,33
